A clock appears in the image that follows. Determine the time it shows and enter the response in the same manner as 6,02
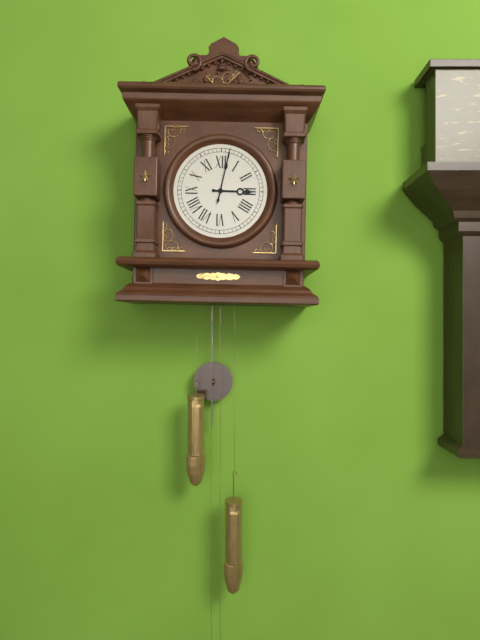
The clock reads 3,02
